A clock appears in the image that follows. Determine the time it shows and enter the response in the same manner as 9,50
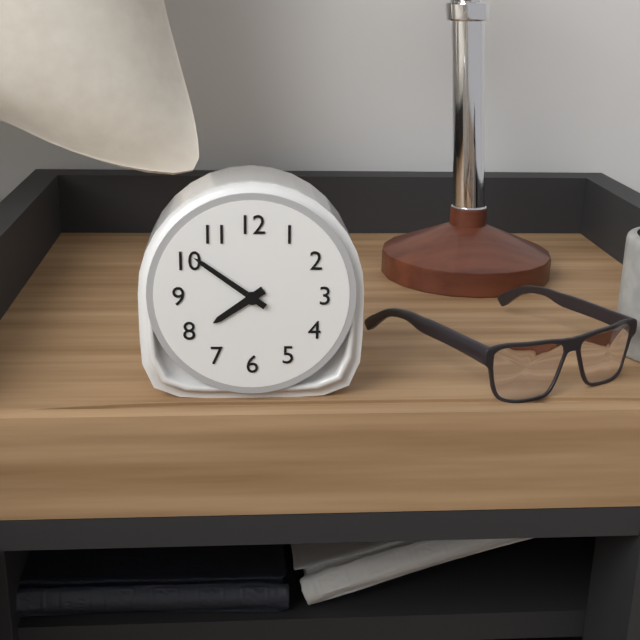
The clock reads 7,51
